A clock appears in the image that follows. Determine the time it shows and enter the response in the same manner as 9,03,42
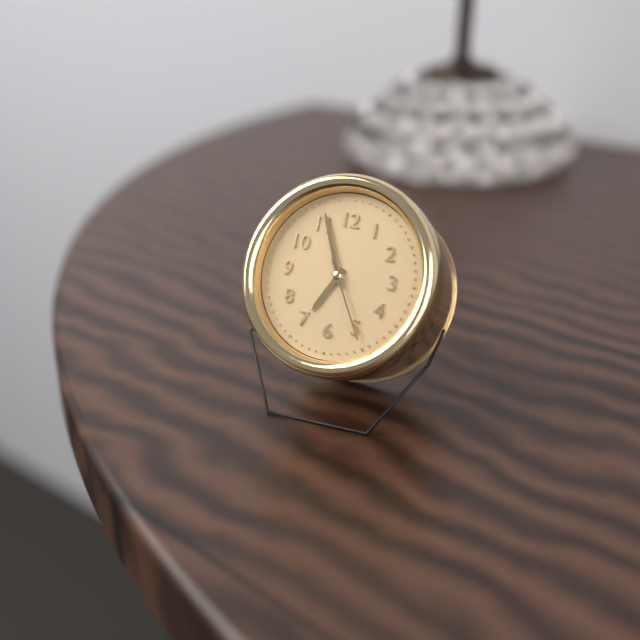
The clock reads 6,56,25
